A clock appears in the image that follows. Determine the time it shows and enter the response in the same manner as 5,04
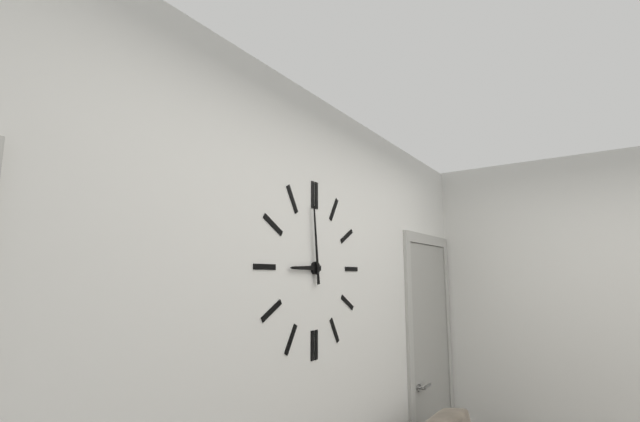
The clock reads 8,59
